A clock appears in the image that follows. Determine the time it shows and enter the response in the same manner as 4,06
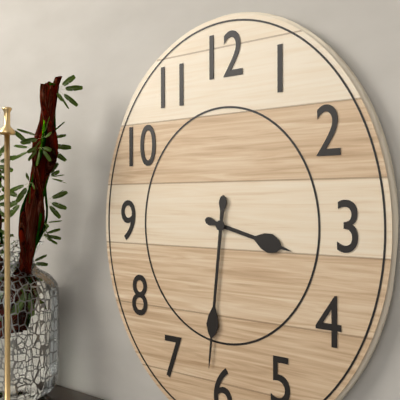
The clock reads 3,31
